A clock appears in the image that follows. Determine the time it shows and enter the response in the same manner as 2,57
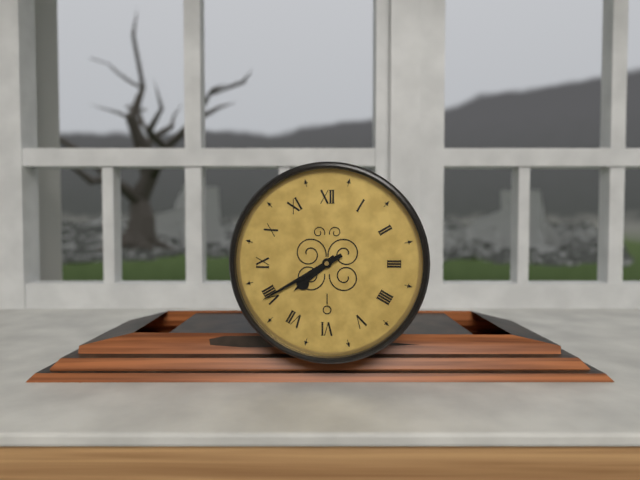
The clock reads 7,40
